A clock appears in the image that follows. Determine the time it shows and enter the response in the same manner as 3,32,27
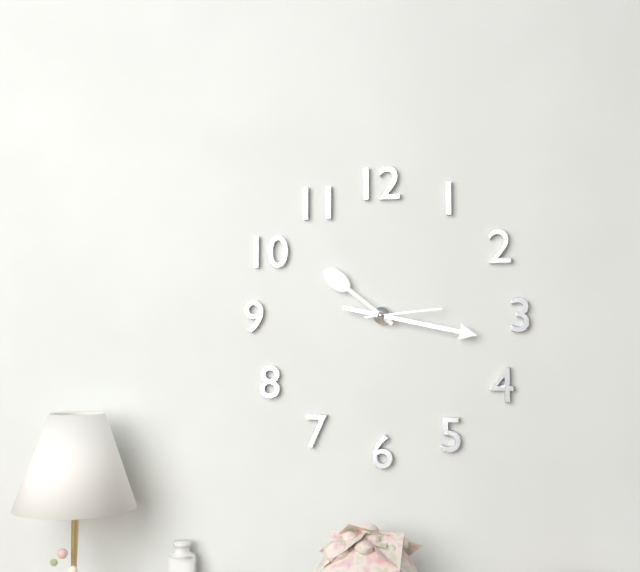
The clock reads 10,17,14
